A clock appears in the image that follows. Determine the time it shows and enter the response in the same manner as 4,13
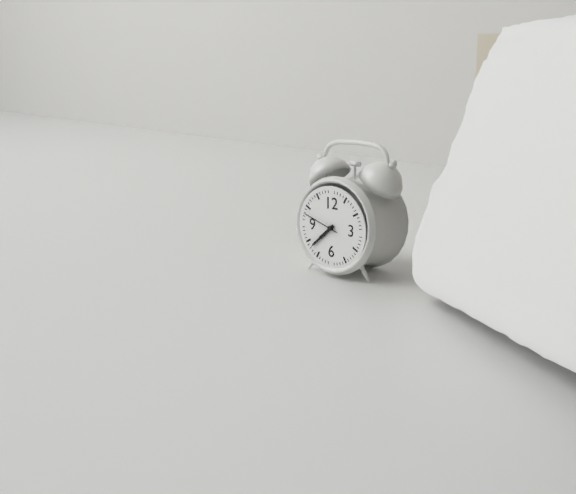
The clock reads 7,38
